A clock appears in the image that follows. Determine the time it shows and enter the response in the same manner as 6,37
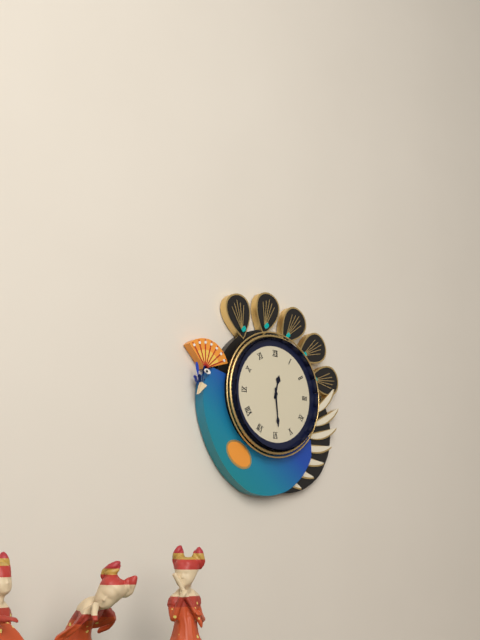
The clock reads 12,29
